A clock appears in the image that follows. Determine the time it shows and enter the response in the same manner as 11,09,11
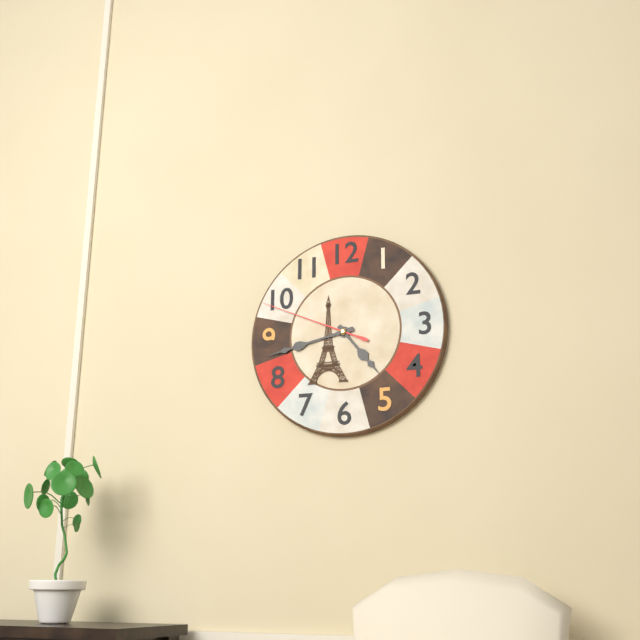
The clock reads 4,43,49
